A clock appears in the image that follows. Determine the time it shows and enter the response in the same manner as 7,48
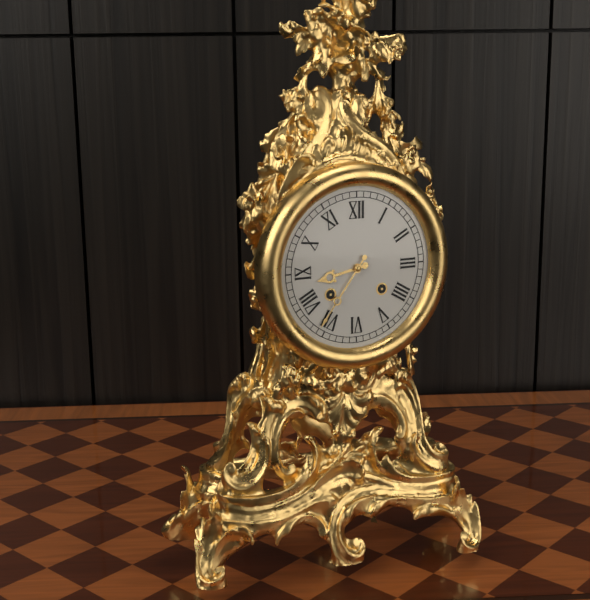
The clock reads 8,36
